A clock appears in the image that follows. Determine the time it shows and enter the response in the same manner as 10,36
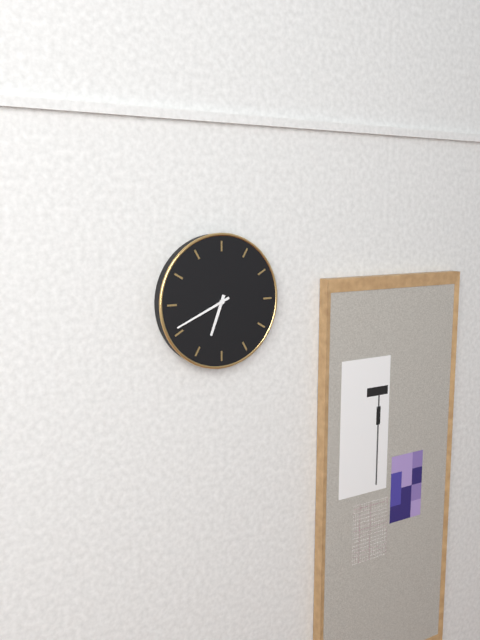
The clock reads 6,41
